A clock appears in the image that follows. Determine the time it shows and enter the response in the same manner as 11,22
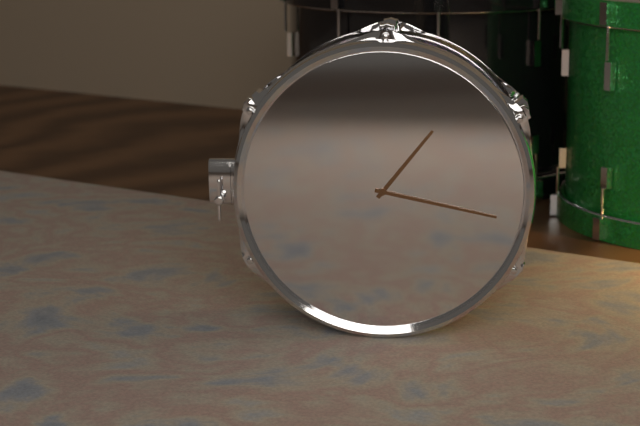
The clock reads 1,17
